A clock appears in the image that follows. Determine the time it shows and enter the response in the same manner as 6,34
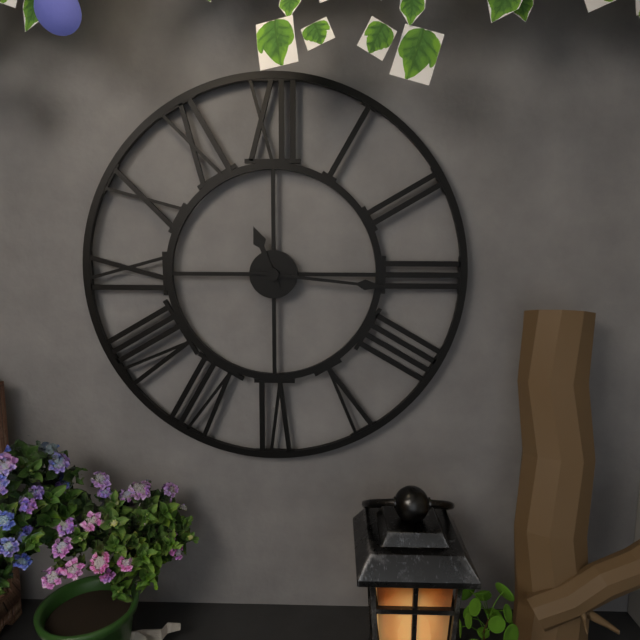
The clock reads 11,16
